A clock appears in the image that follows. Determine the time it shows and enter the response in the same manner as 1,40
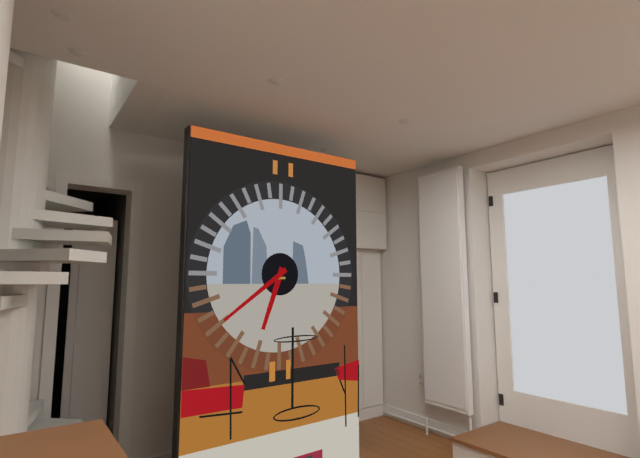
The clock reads 6,39
